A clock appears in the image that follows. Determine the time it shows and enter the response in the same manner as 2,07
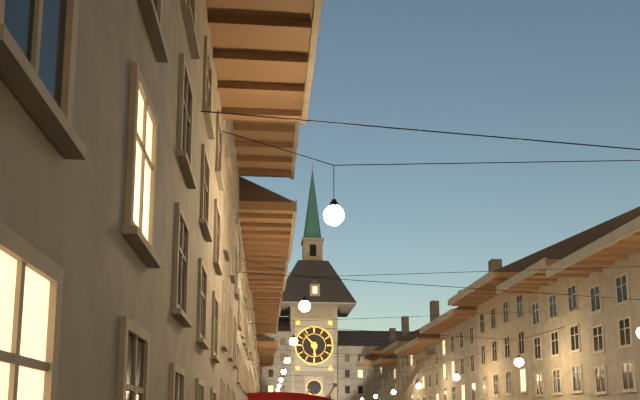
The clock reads 5,53
